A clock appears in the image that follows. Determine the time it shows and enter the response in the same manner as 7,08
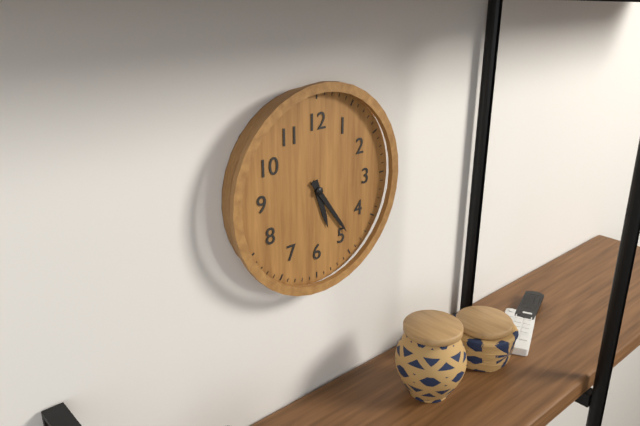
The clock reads 5,24
